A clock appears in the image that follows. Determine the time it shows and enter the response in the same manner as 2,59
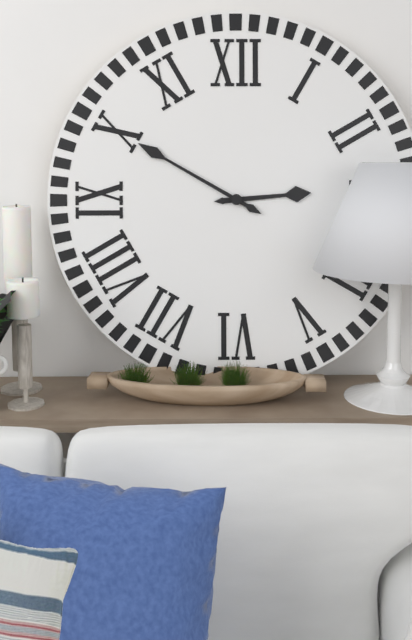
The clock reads 2,50
